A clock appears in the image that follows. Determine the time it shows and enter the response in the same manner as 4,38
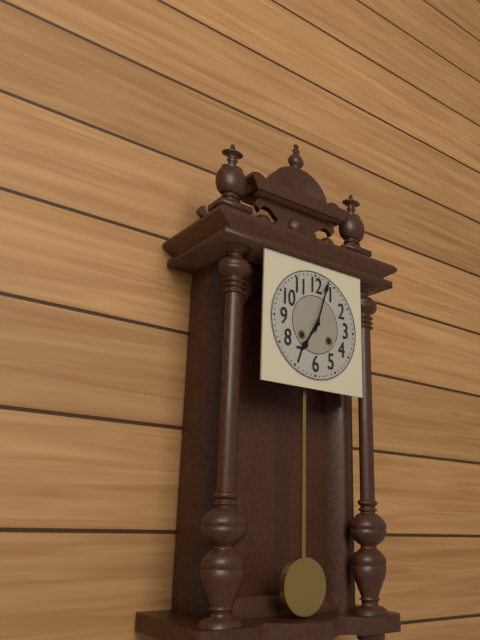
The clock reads 7,03
